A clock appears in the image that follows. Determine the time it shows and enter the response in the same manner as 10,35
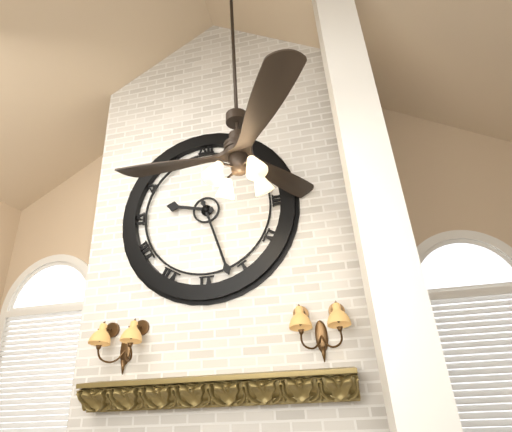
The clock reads 9,27
